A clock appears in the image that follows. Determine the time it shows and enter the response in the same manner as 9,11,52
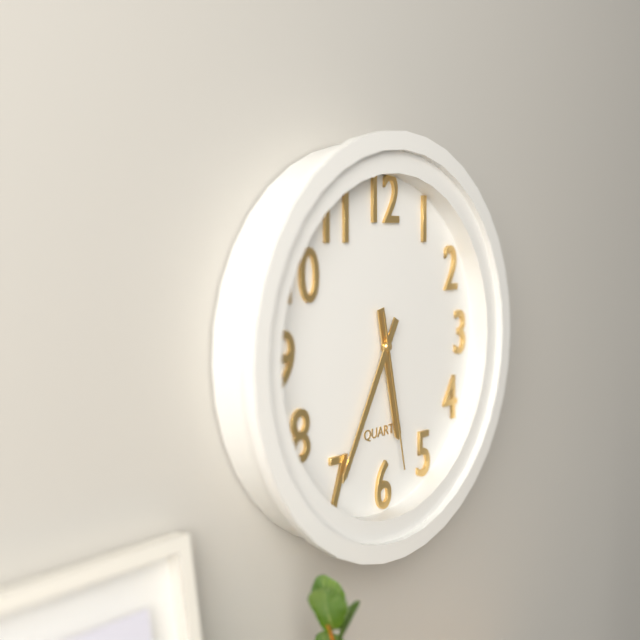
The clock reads 5,35,28
